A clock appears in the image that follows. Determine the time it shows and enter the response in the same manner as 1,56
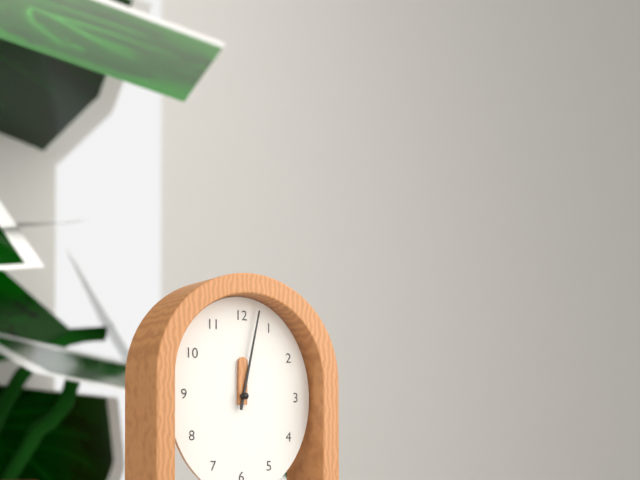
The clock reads 12,02
